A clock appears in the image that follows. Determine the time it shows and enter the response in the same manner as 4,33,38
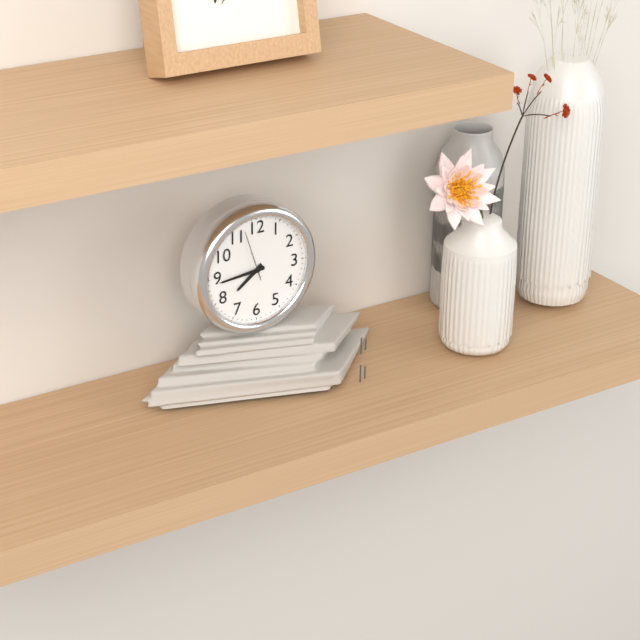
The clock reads 7,44,57
